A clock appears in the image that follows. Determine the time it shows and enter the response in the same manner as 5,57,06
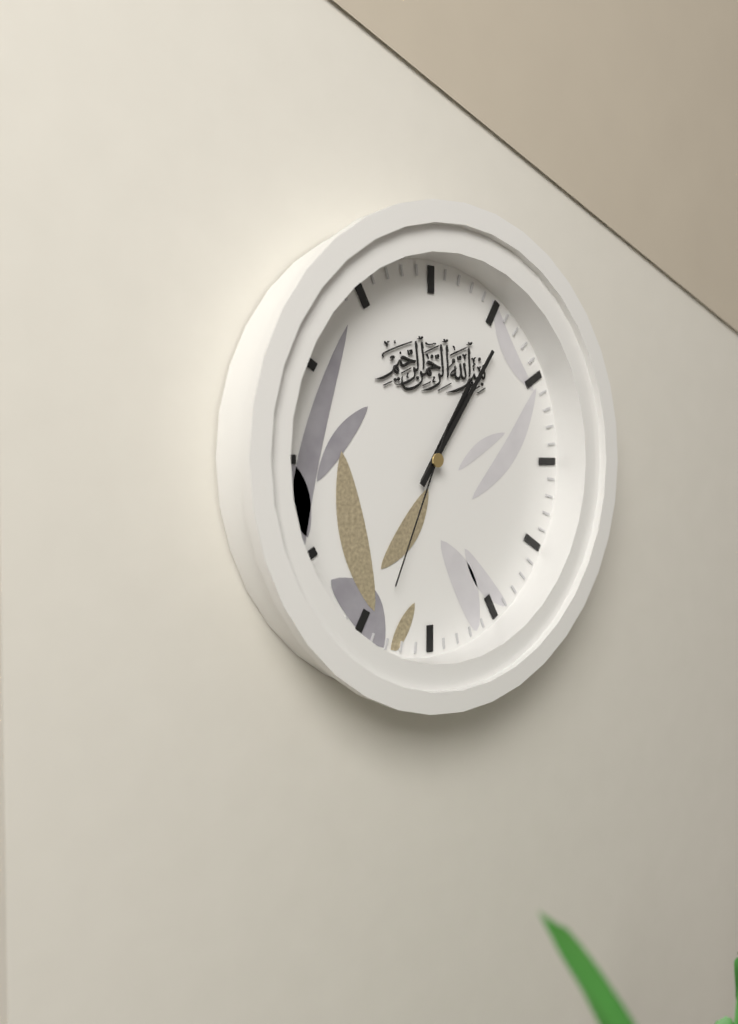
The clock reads 1,06,34
